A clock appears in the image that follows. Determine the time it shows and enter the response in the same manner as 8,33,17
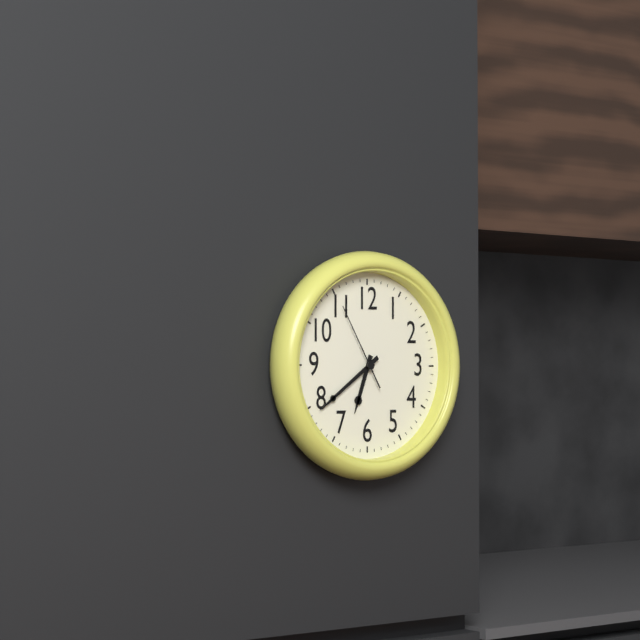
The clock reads 6,39,55
